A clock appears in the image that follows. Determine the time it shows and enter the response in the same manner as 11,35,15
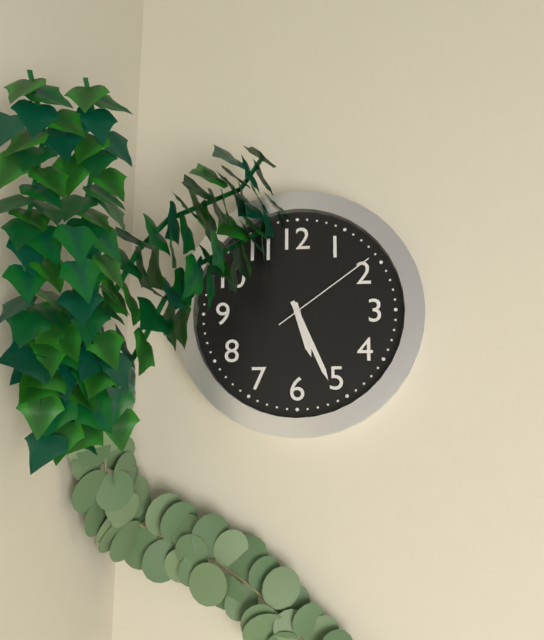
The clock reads 5,26,09
